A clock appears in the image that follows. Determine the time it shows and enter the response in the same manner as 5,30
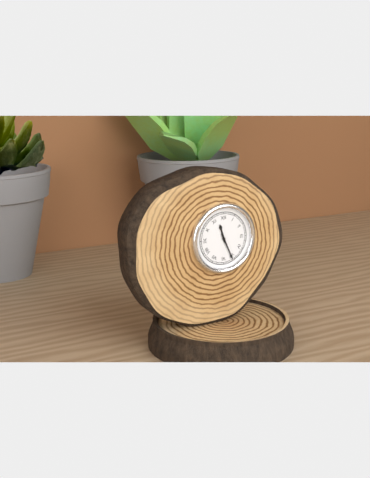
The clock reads 11,26
